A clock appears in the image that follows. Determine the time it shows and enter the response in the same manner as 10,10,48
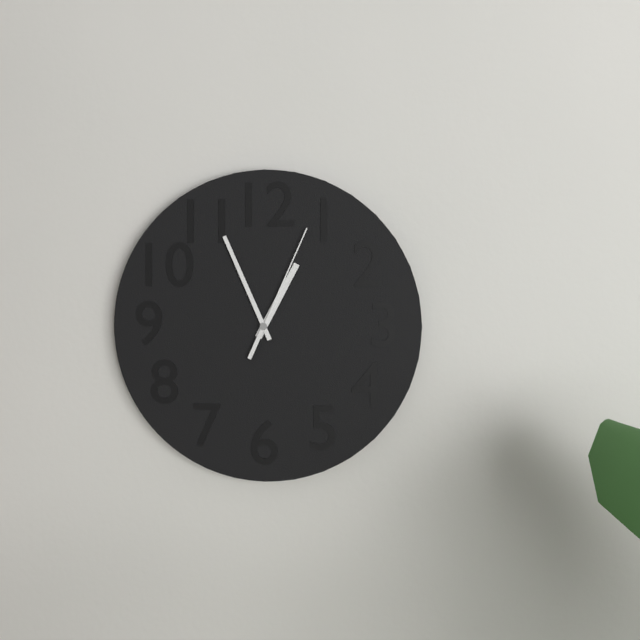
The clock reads 12,56,04
